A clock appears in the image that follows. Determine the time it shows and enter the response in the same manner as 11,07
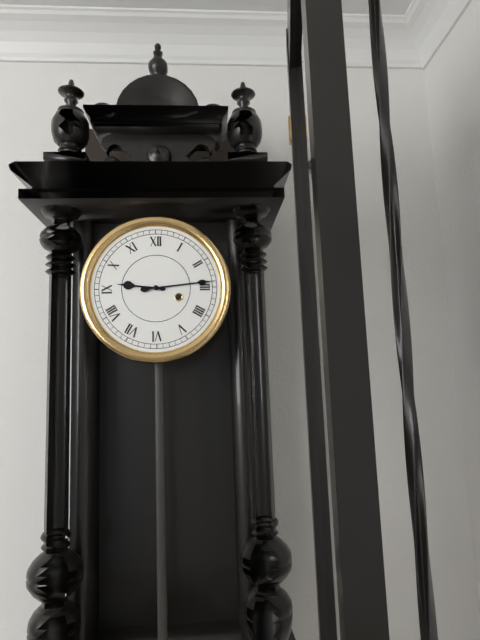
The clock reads 9,14
